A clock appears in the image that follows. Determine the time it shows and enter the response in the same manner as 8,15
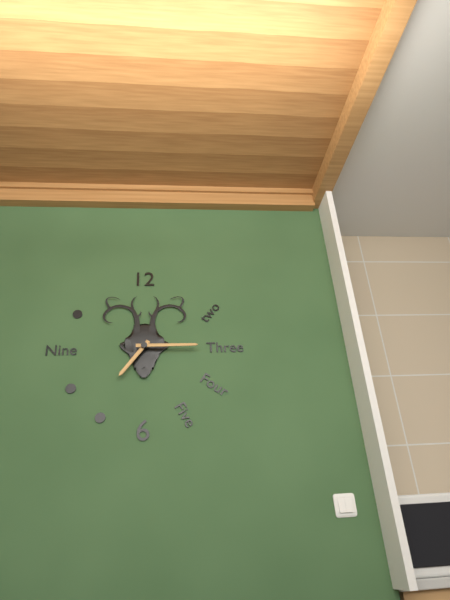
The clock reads 7,15
